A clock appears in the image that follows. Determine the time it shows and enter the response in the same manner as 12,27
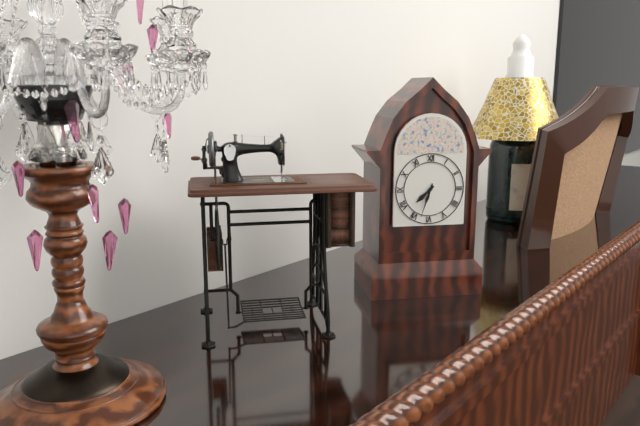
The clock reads 7,33
